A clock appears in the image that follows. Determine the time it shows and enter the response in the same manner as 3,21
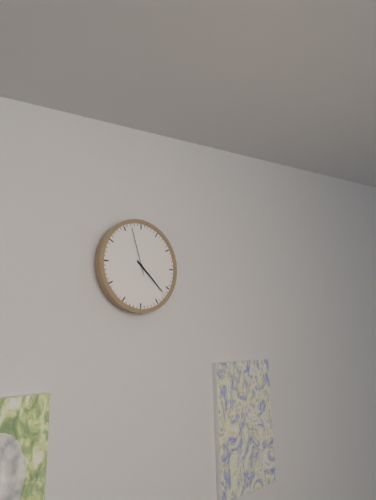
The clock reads 4,22
